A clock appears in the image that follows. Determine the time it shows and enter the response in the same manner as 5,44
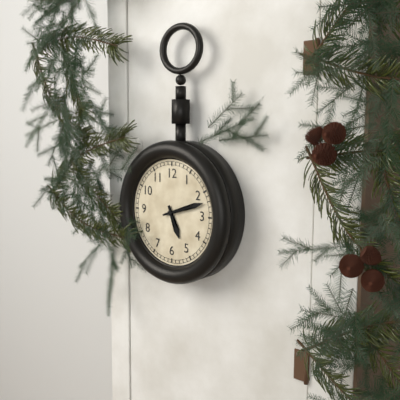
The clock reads 5,12
